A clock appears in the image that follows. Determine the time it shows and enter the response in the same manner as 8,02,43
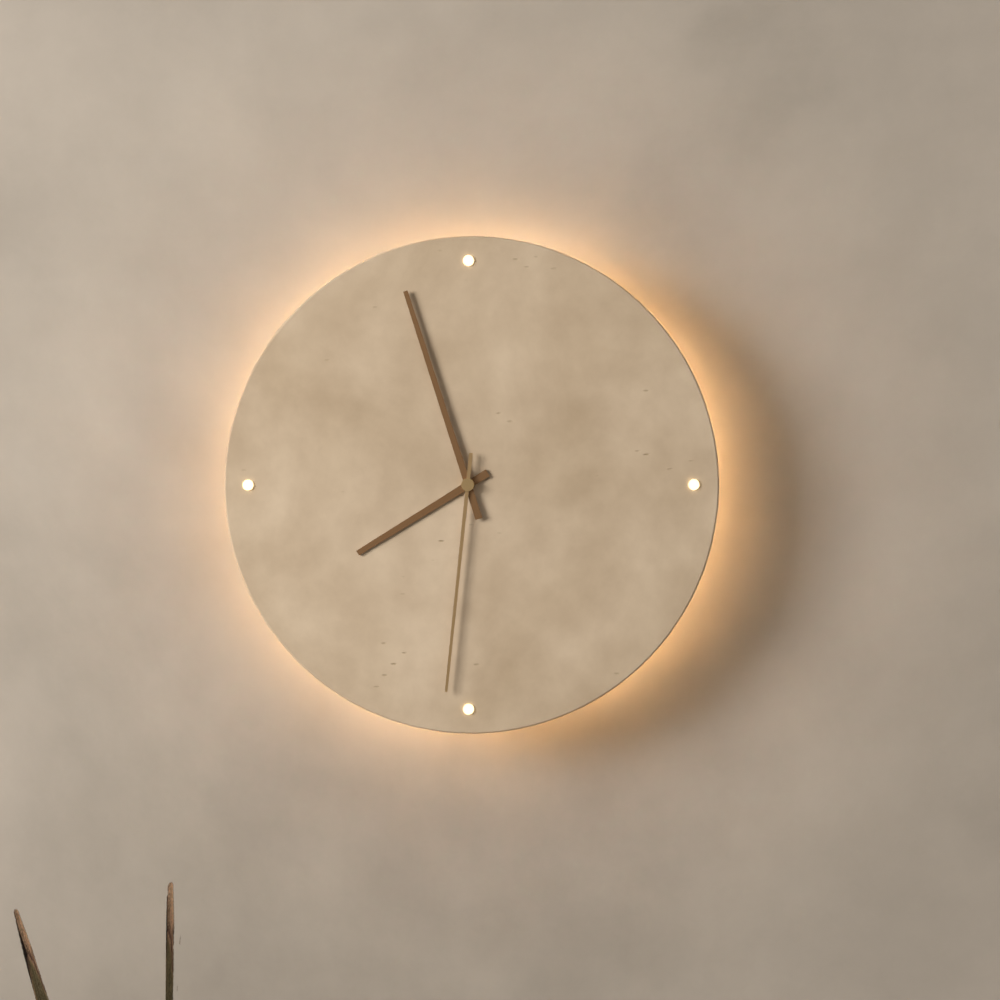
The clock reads 7,57,31
